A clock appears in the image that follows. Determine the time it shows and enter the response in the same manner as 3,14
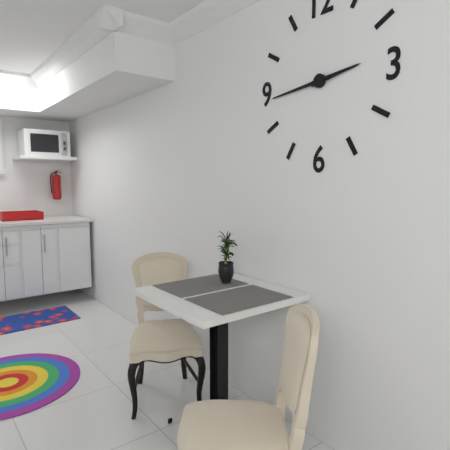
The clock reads 2,44
